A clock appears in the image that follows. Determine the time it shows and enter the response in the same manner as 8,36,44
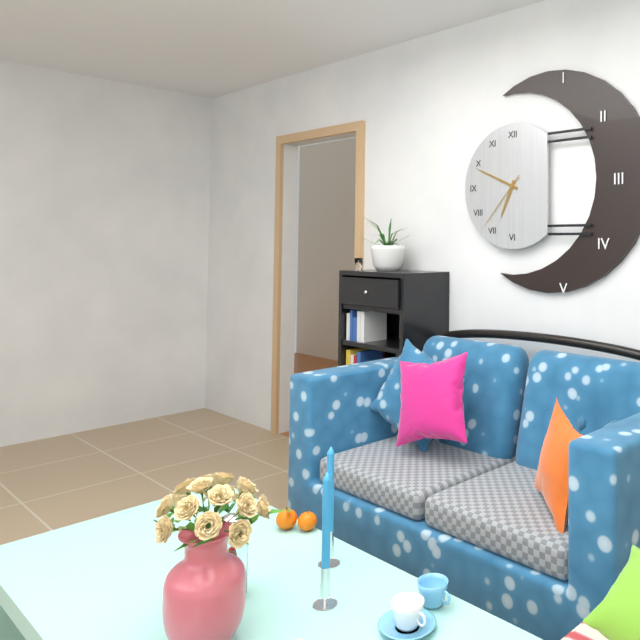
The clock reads 6,49,37
